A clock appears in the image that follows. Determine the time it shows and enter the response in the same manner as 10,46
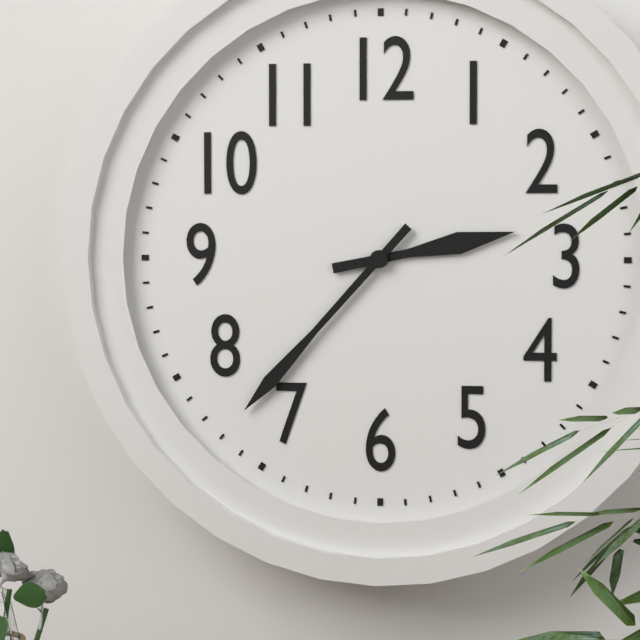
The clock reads 2,37
